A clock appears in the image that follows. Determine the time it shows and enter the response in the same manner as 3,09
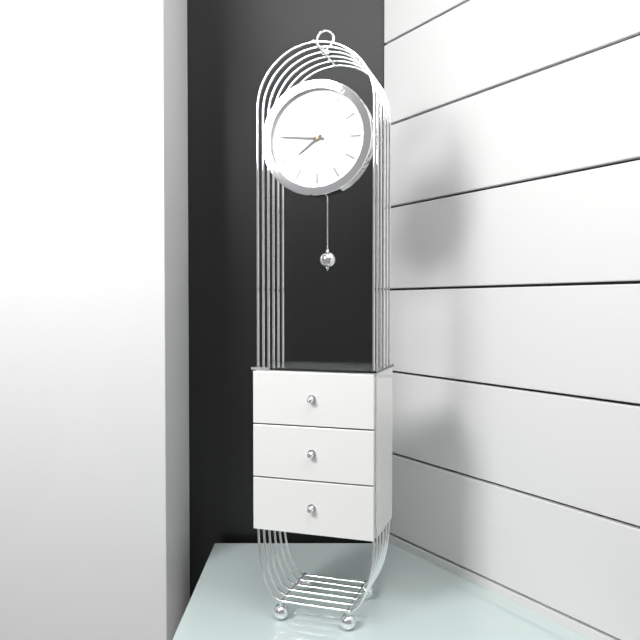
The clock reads 7,46
